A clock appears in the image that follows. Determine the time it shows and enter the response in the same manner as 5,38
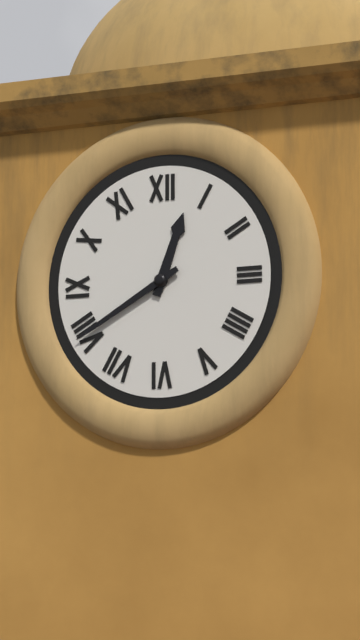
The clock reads 12,40
